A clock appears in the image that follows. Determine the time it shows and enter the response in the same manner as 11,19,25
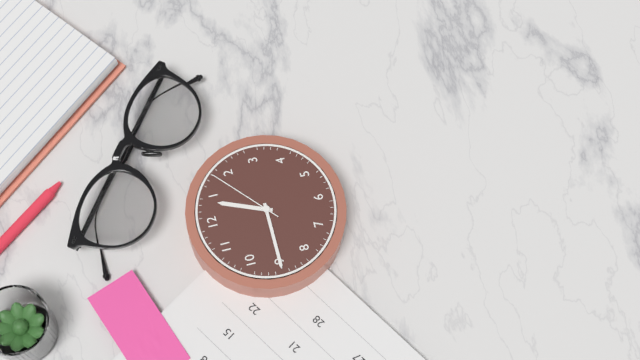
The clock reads 12,45,08
